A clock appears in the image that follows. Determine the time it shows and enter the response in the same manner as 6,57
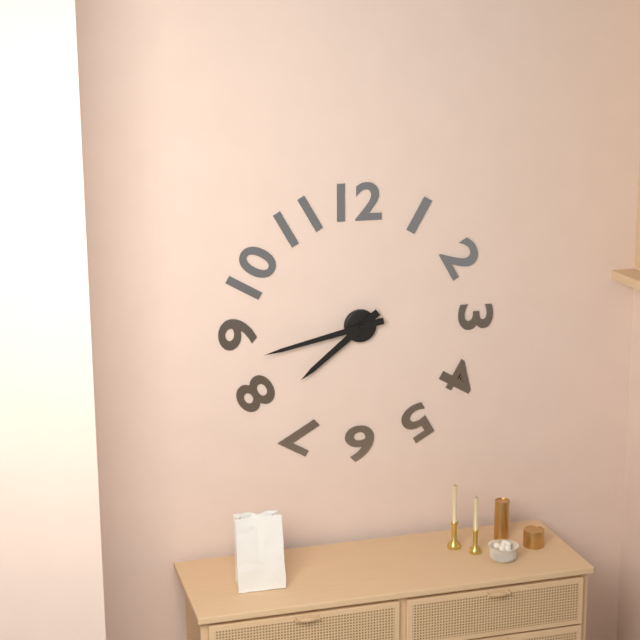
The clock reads 7,43
